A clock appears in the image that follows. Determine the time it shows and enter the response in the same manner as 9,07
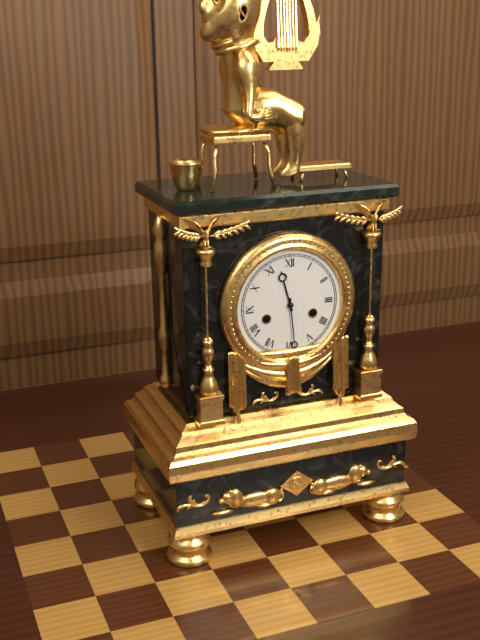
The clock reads 11,29
